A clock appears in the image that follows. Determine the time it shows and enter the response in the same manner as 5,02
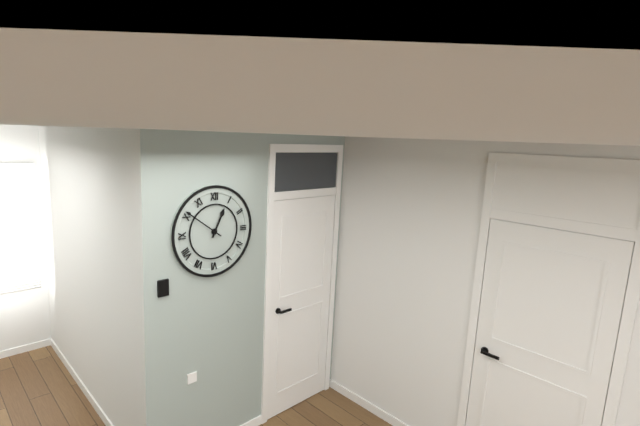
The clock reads 12,51
